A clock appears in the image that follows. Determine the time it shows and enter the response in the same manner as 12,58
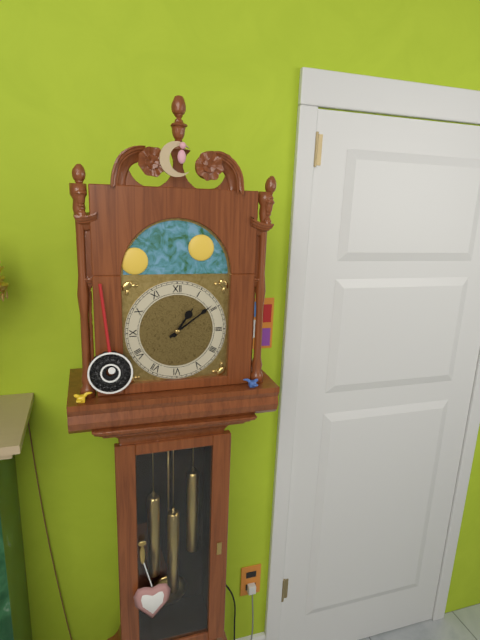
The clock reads 1,09
